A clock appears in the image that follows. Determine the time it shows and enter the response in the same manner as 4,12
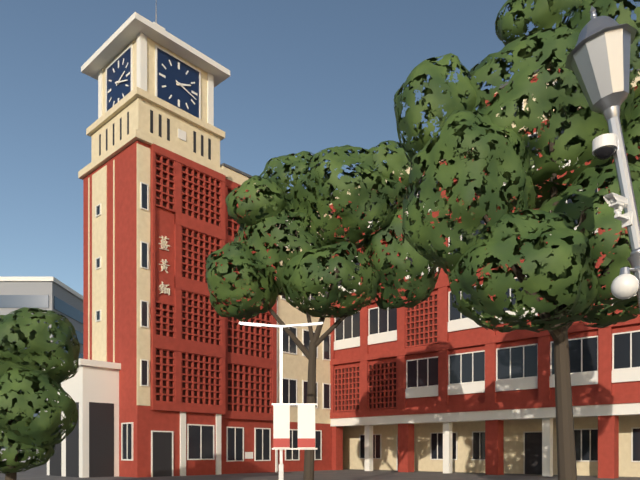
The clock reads 2,18
